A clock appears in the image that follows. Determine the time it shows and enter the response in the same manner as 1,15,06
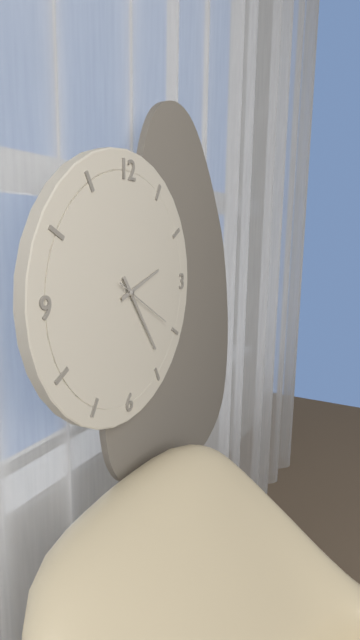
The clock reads 2,24,20
